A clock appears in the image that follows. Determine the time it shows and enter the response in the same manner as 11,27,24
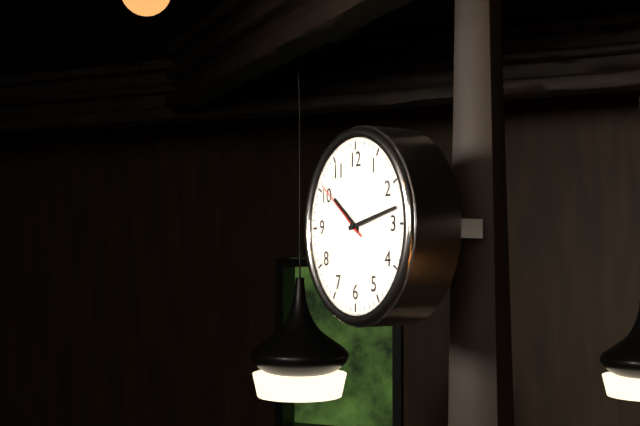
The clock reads 10,13,51
